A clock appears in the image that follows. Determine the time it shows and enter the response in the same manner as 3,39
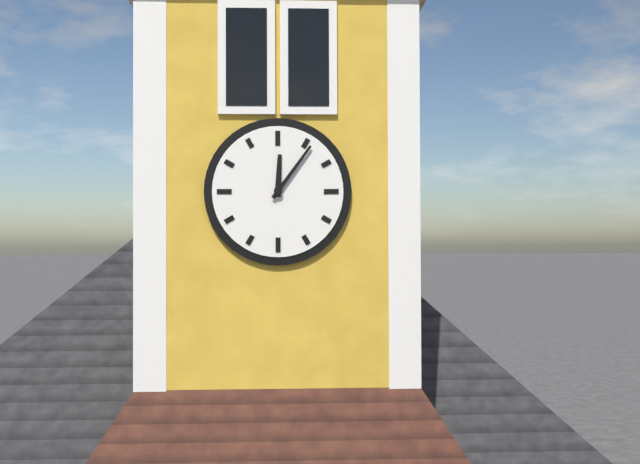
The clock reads 12,06
